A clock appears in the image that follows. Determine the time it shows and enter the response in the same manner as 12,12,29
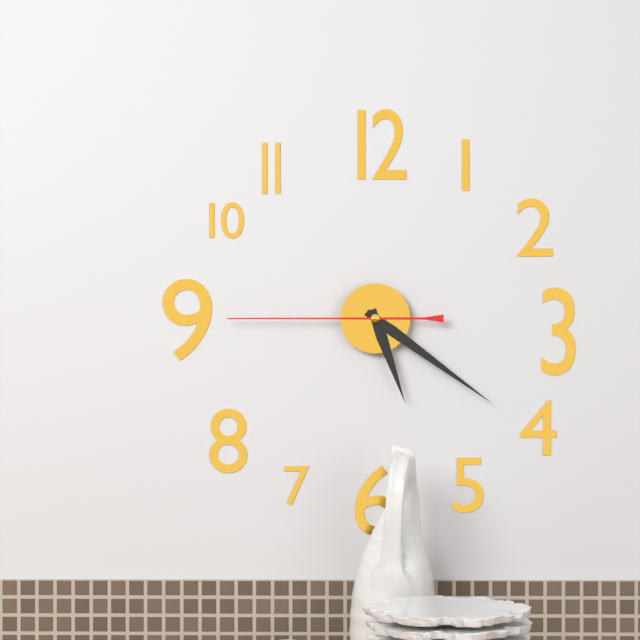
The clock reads 5,21,45
